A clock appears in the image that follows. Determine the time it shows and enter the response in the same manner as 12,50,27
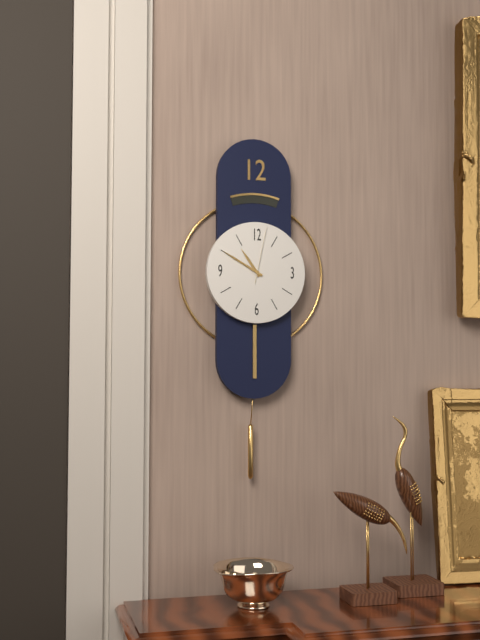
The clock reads 10,50,02
